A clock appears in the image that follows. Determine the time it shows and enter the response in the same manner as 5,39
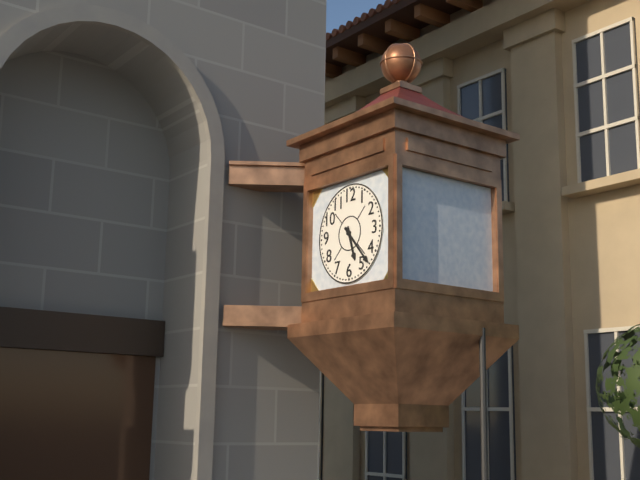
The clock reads 5,23
